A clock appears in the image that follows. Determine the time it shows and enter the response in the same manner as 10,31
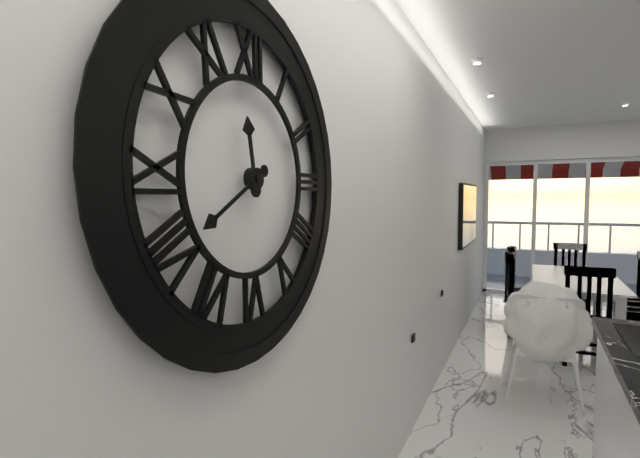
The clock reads 11,40
